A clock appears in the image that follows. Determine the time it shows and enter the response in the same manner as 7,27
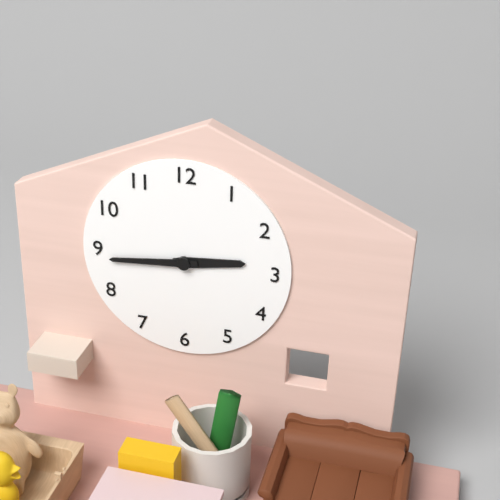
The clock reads 2,44
